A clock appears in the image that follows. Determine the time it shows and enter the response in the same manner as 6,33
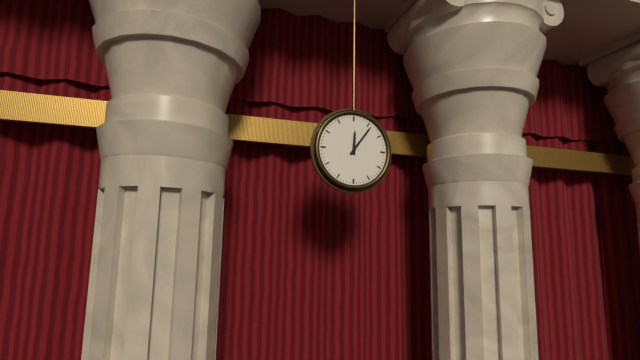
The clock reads 12,06
